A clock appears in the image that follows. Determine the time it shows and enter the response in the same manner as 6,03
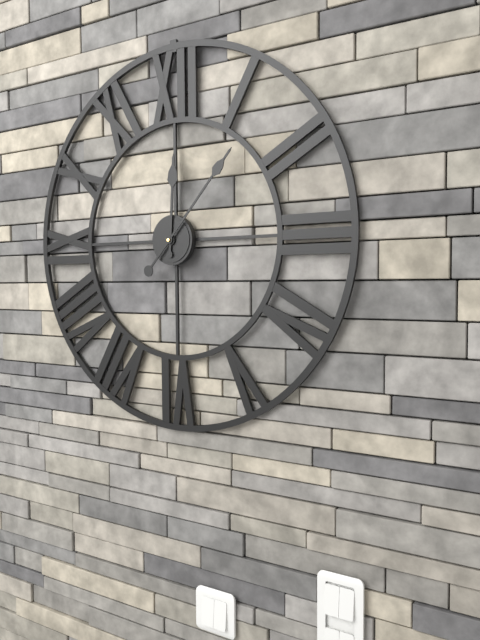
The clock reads 12,07
